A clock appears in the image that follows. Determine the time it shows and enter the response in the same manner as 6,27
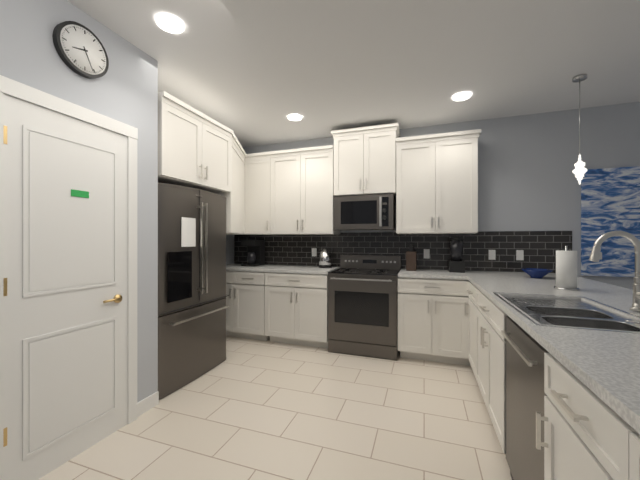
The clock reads 8,26
